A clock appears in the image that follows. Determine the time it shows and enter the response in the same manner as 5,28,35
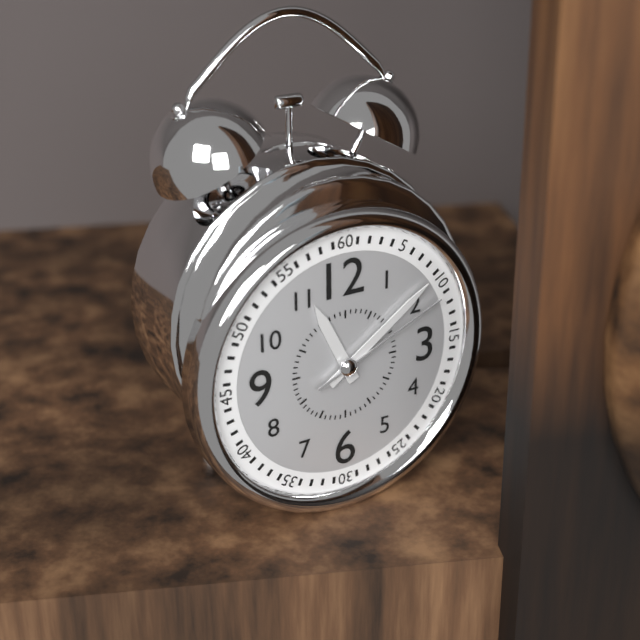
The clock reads 11,09,11
